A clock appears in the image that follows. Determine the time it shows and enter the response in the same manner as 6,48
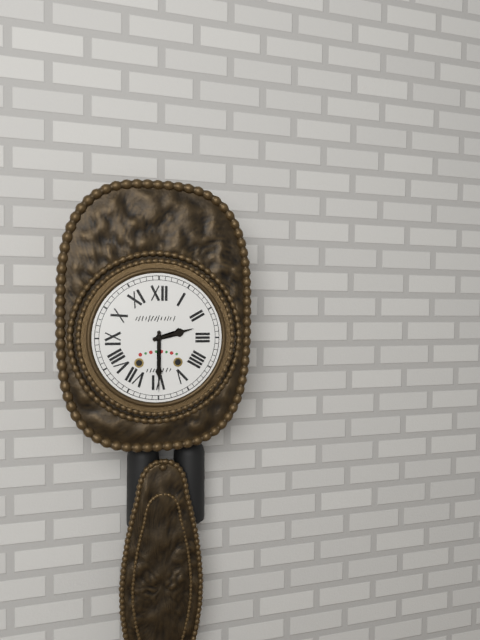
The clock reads 2,30
